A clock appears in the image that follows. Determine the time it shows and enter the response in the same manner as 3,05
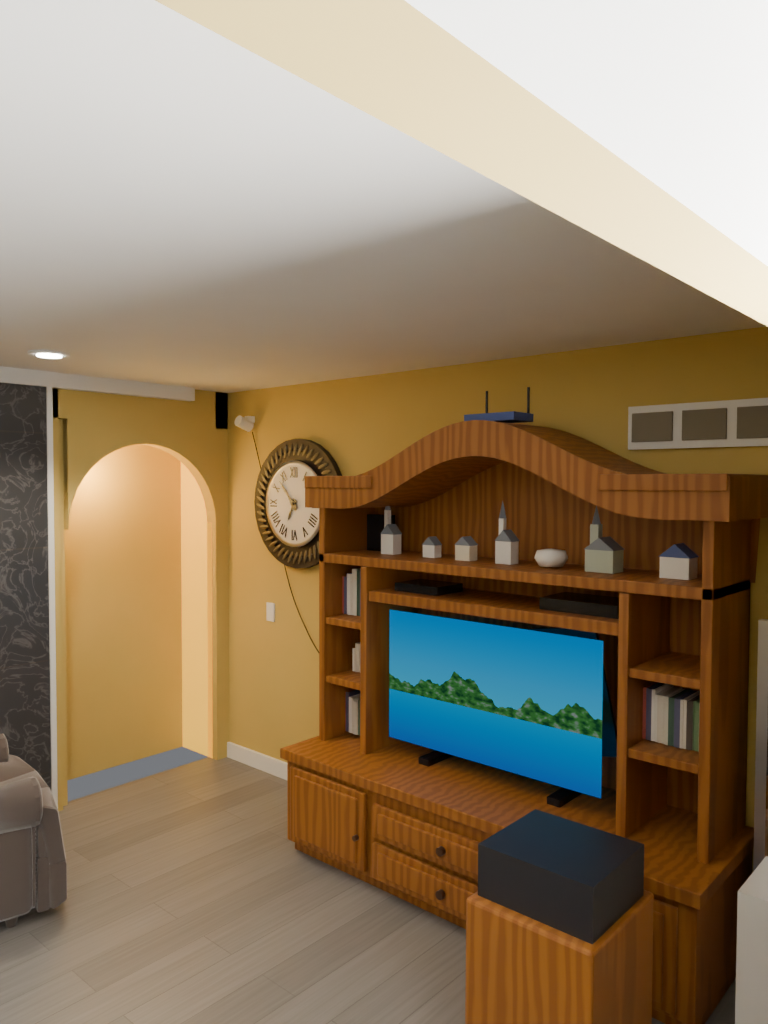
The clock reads 6,53
